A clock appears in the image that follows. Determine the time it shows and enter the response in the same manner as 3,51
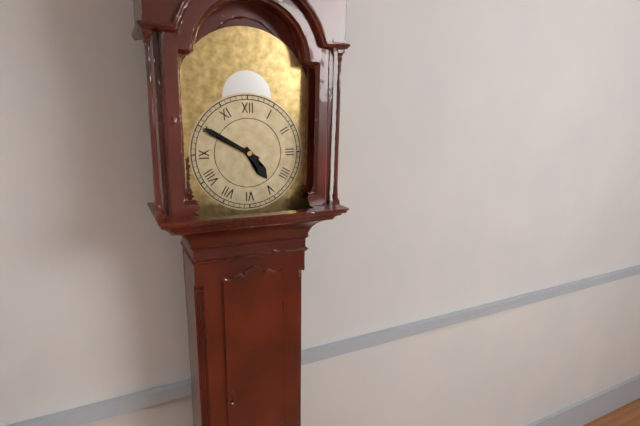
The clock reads 4,50
